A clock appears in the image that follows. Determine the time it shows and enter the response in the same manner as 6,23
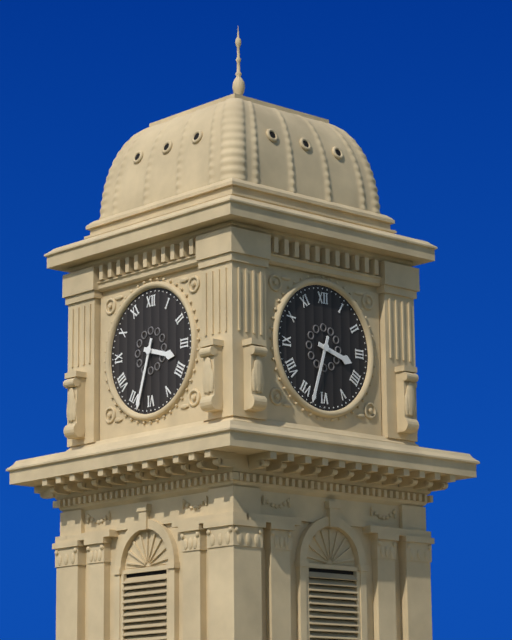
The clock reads 3,33
